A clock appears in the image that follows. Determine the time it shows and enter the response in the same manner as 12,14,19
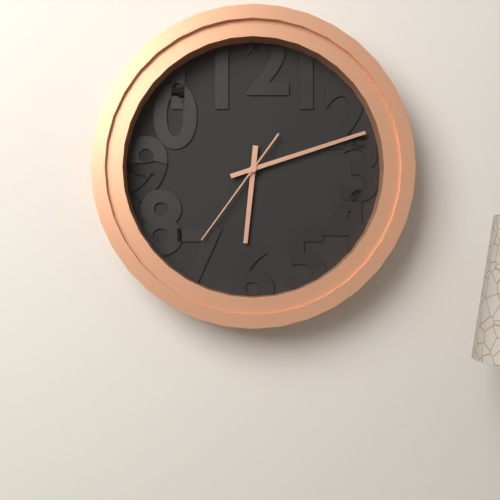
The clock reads 6,12,36
